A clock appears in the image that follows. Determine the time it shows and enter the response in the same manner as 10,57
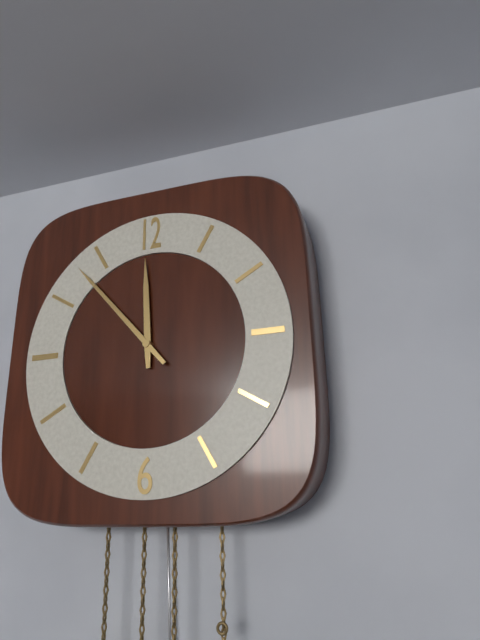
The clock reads 11,53
